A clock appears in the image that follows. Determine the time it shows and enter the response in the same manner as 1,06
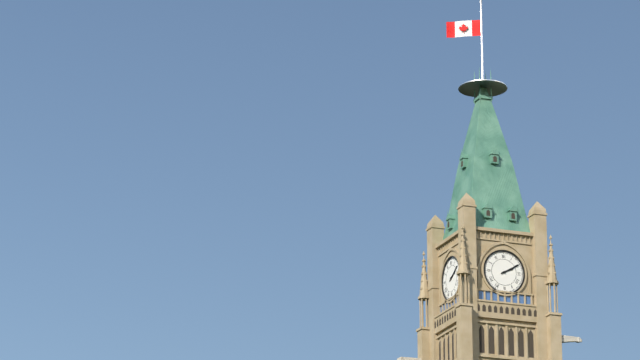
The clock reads 2,10
